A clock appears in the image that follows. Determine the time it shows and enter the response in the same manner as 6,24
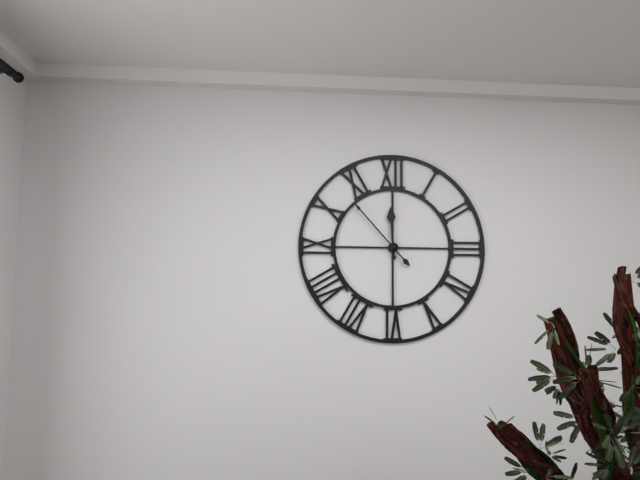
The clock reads 11,53
